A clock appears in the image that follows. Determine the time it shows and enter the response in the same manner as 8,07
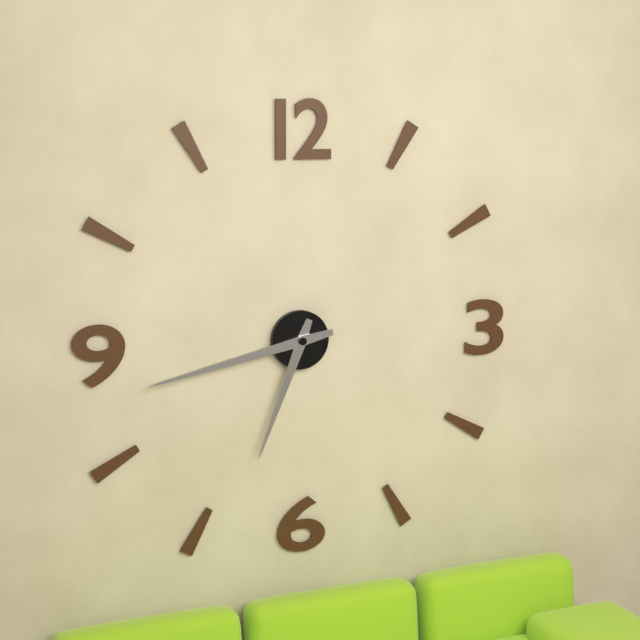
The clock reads 6,43
